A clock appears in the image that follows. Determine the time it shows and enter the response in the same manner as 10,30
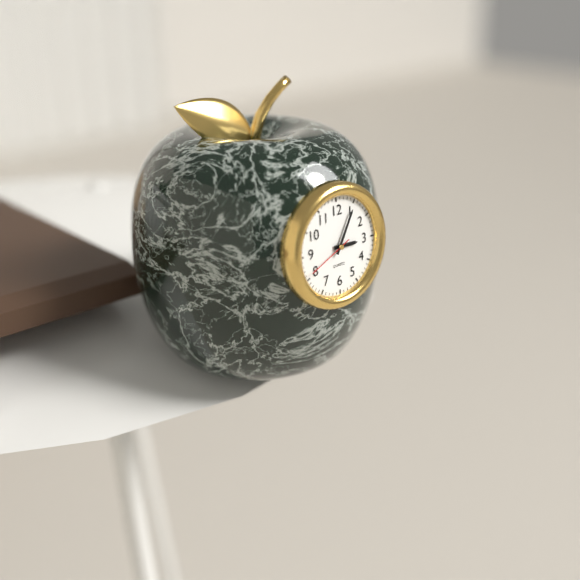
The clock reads 3,05
